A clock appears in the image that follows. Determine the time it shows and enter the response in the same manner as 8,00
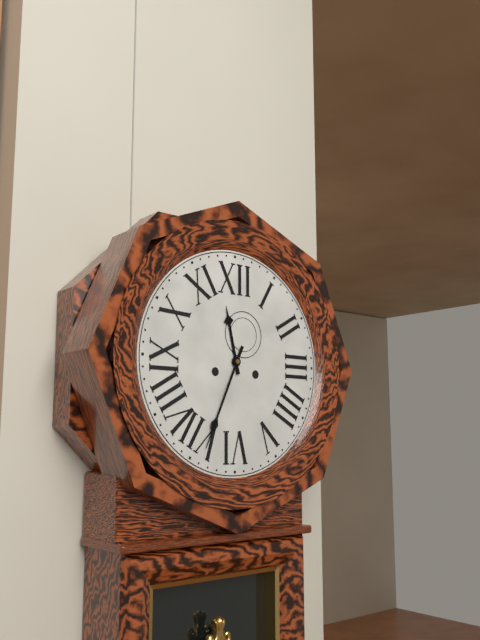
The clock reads 11,34
